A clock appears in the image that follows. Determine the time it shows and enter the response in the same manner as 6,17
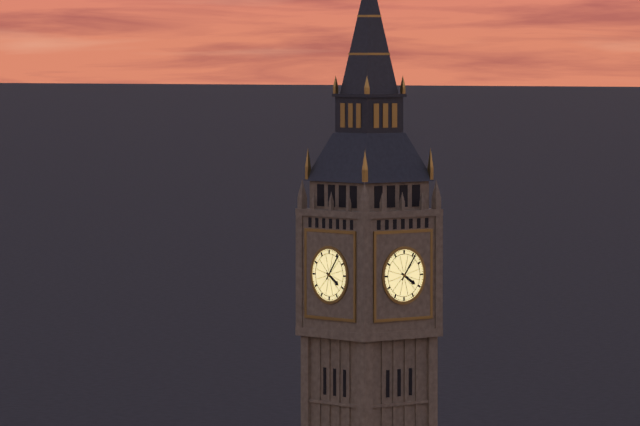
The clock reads 4,06
